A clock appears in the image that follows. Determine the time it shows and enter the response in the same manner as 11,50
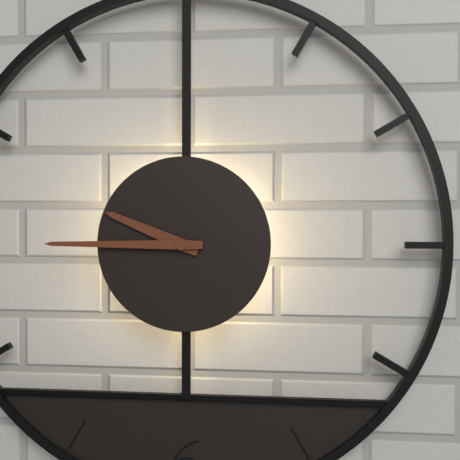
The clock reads 9,45
